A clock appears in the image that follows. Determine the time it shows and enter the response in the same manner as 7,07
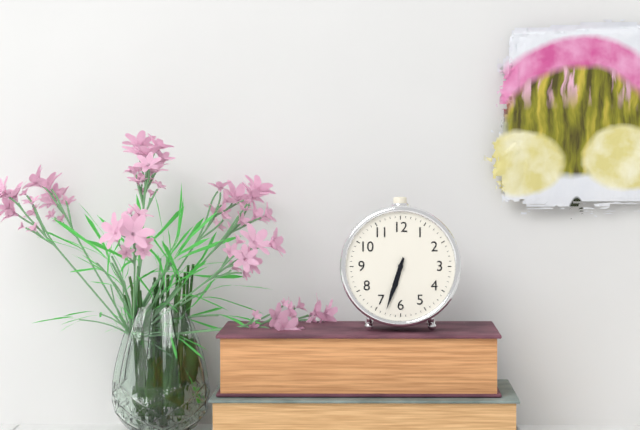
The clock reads 6,33
